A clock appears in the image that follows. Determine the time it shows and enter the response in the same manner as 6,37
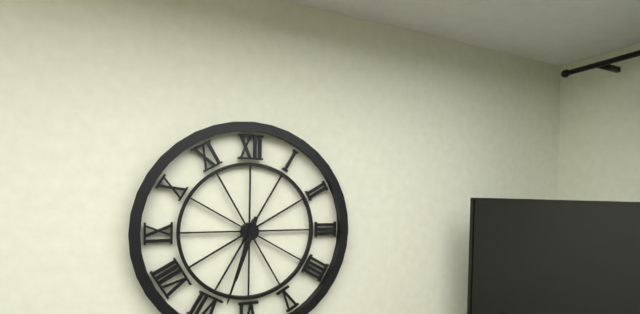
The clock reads 6,33
